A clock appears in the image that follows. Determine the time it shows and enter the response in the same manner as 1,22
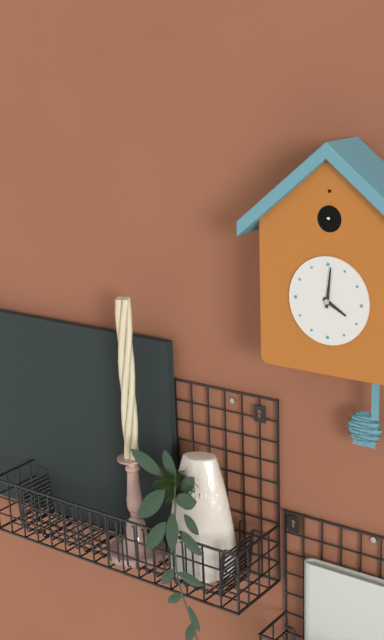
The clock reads 4,01
